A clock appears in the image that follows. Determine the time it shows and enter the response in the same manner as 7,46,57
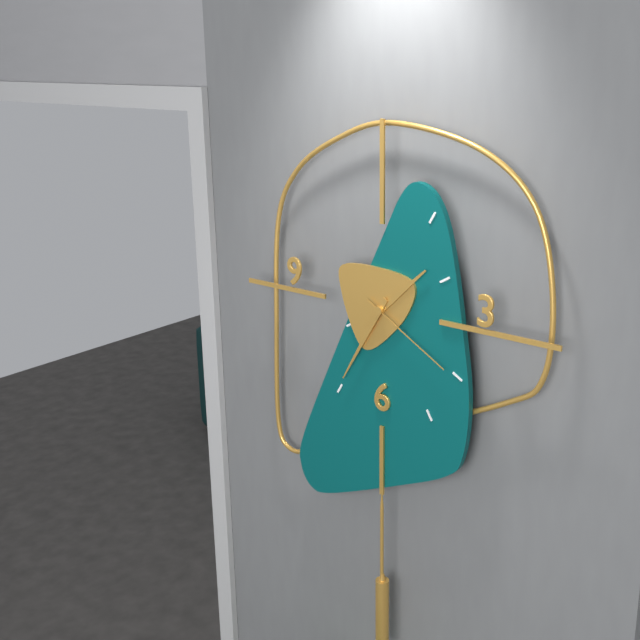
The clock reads 1,35,20
